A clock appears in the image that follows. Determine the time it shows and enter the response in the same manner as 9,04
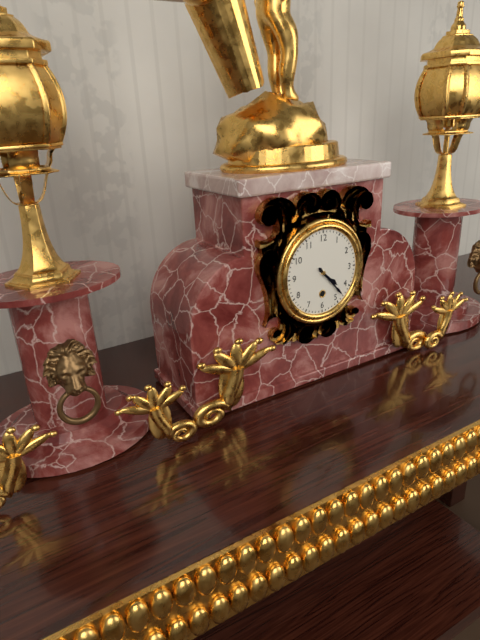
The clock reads 4,23
